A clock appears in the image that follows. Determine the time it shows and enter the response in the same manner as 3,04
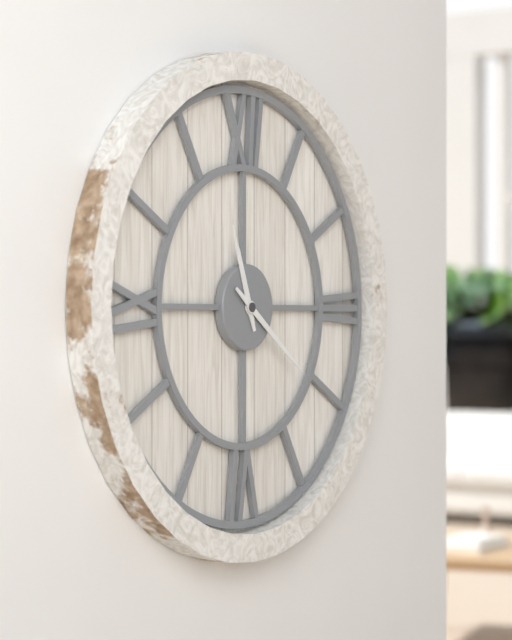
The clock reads 11,21
